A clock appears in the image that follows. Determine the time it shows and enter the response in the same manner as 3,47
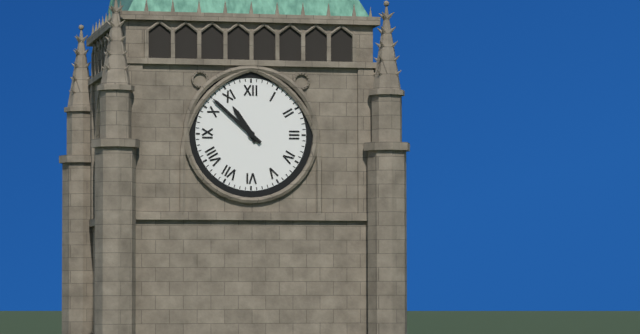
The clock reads 10,52
